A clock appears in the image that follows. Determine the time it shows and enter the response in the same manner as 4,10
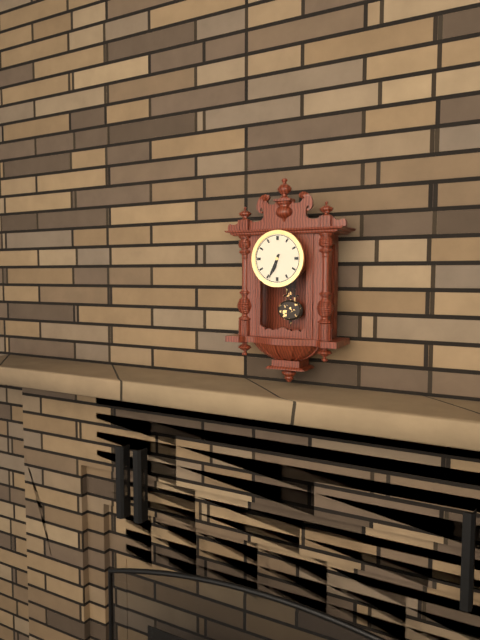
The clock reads 6,34
